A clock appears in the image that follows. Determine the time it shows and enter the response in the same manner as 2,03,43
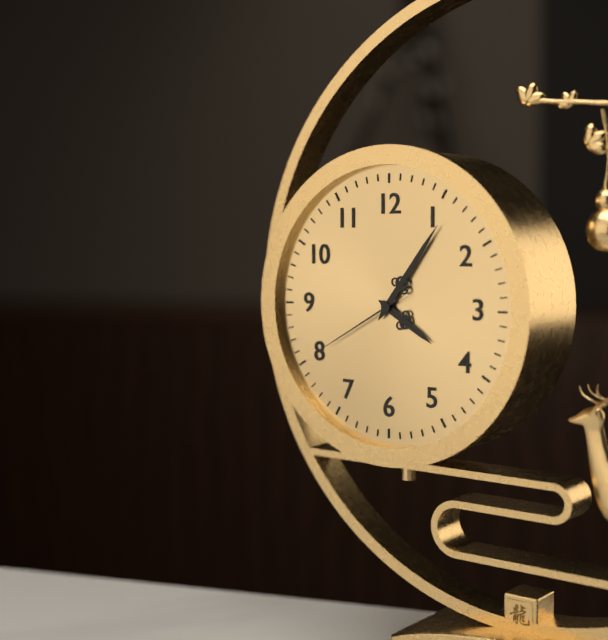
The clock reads 4,06,40
